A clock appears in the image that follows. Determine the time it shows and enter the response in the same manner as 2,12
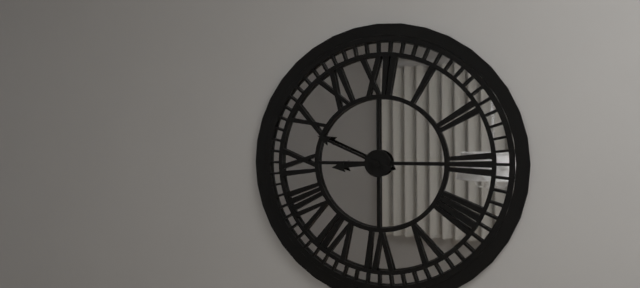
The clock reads 8,49
